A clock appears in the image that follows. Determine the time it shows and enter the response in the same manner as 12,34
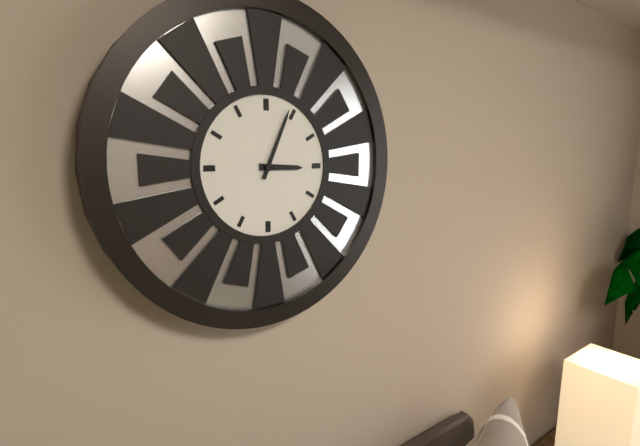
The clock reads 3,04
